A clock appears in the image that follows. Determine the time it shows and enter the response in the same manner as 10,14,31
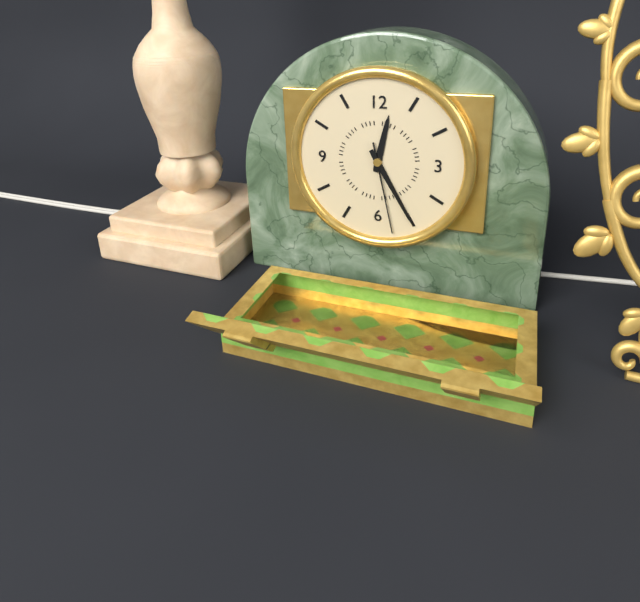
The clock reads 12,25,28
